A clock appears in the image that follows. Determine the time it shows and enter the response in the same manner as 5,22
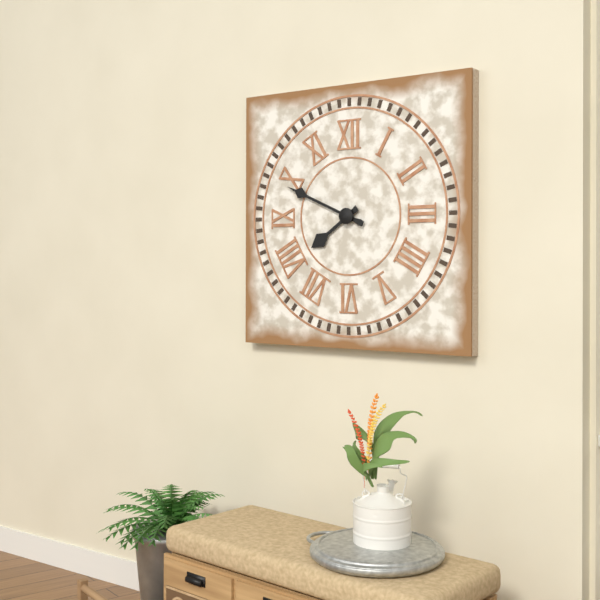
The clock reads 7,49
